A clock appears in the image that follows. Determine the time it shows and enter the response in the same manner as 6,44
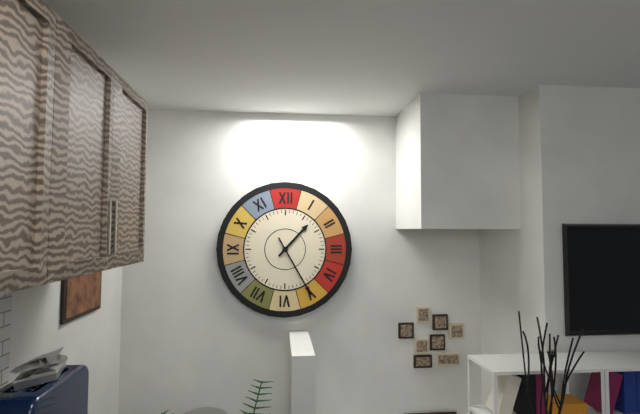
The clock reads 1,25
